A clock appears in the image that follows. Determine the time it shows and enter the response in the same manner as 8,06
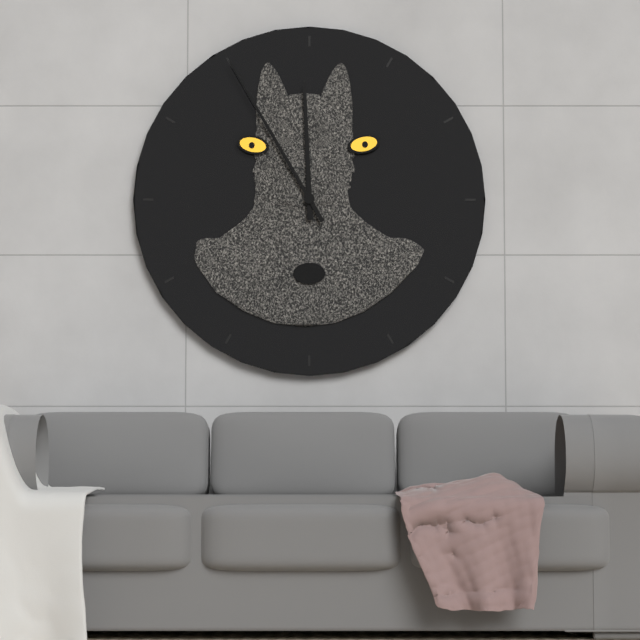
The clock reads 11,55
